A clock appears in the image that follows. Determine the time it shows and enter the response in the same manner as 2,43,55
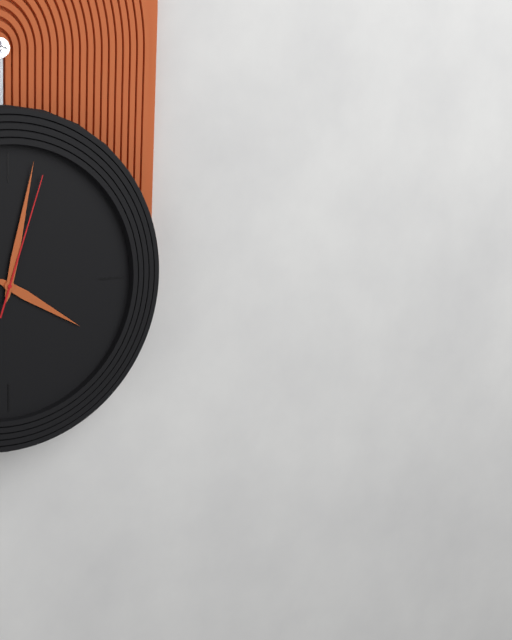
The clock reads 4,02,03
